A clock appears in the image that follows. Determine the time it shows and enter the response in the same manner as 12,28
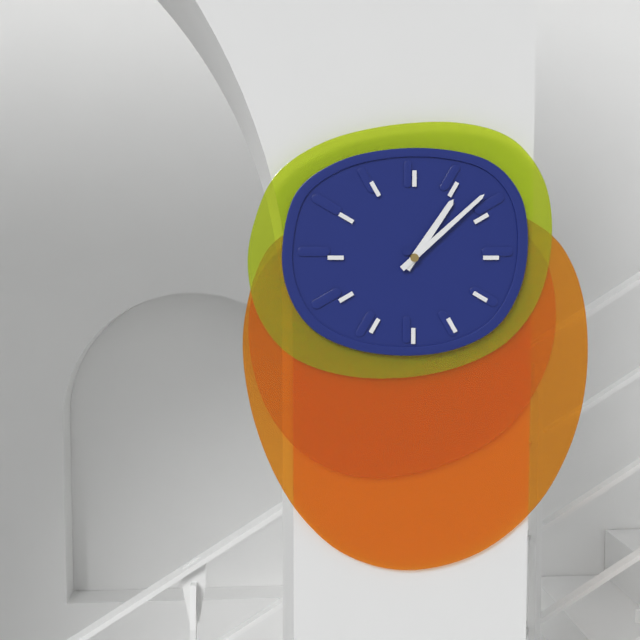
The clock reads 1,08
